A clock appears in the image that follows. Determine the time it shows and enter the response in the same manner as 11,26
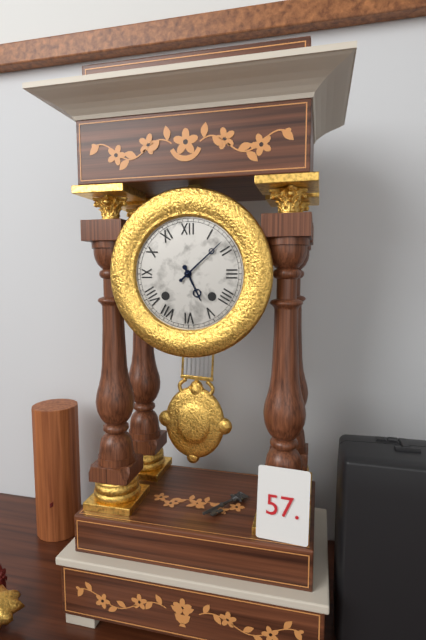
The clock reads 5,08
